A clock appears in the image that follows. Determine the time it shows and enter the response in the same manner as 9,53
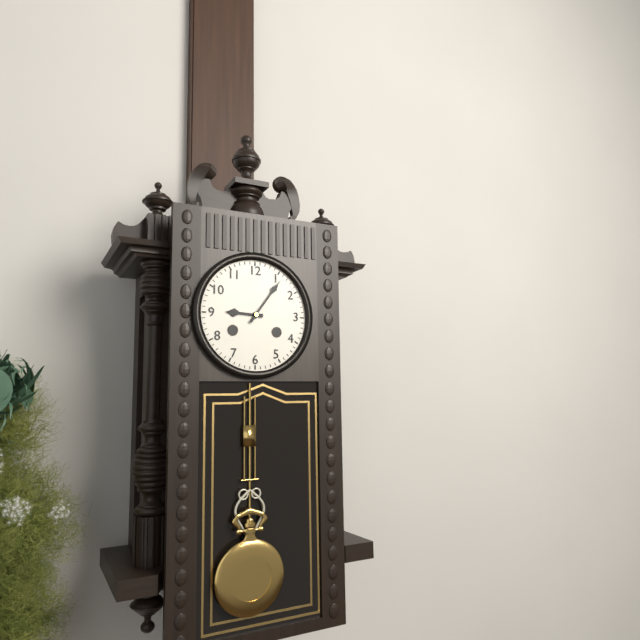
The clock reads 9,06
